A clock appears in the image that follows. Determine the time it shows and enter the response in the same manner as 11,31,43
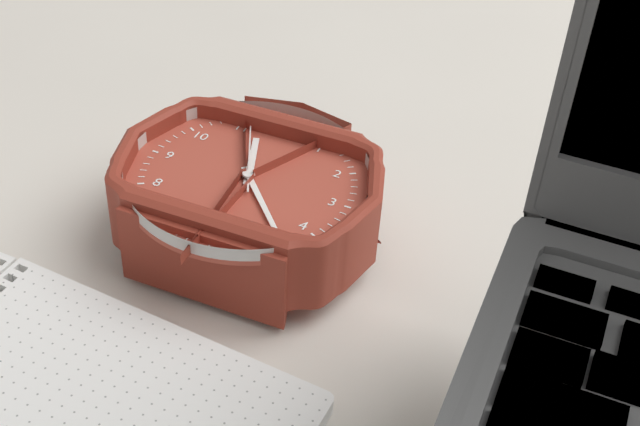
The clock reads 11,23,56
